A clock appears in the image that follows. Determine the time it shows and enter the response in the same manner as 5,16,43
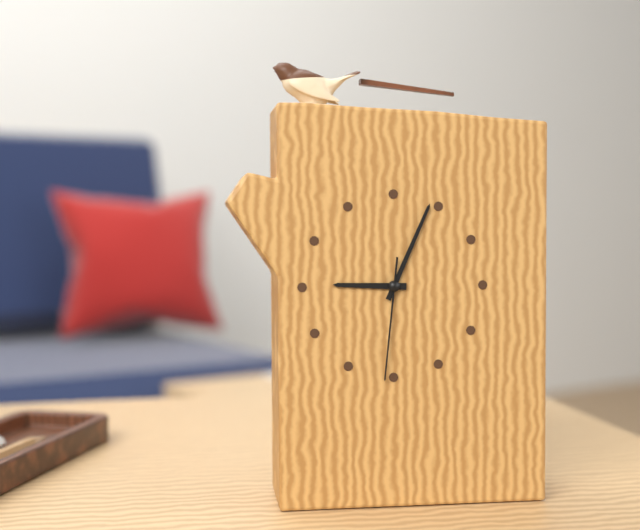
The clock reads 9,04,31
